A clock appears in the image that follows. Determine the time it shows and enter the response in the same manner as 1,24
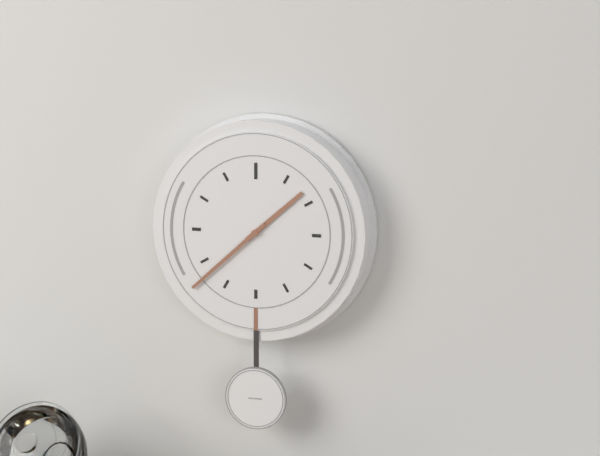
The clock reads 1,38
